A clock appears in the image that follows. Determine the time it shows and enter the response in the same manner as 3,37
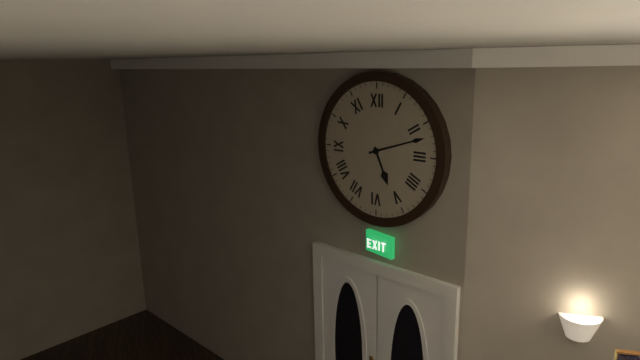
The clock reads 5,12
